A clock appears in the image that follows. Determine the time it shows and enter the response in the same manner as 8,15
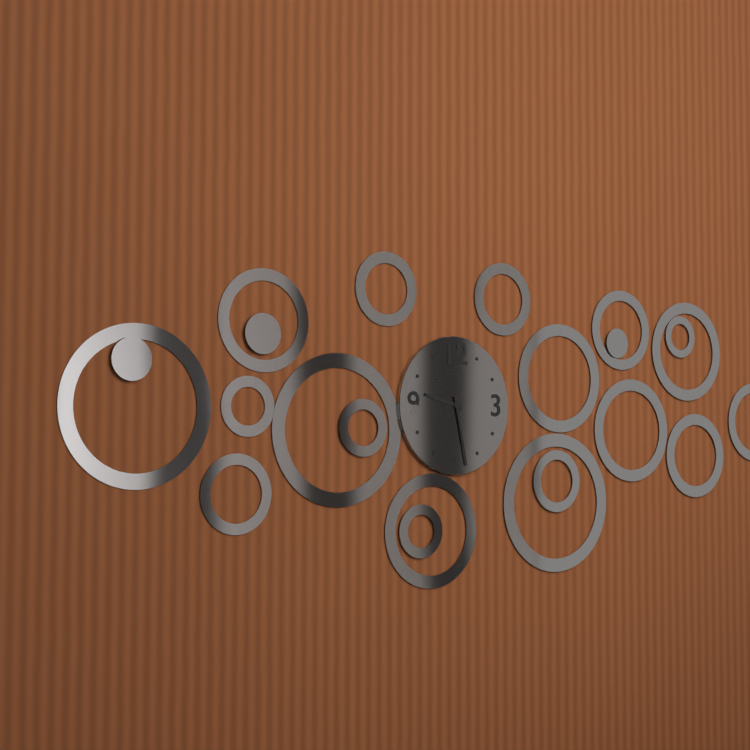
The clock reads 9,28
